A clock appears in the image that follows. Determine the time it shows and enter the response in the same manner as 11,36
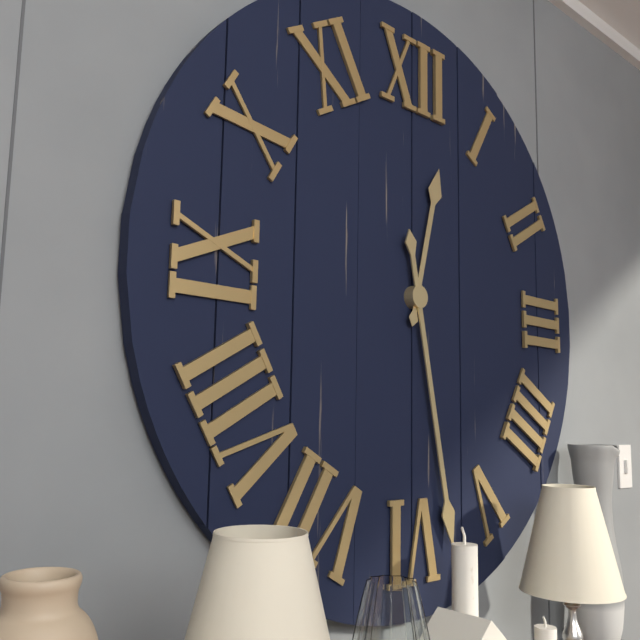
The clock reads 12,28
